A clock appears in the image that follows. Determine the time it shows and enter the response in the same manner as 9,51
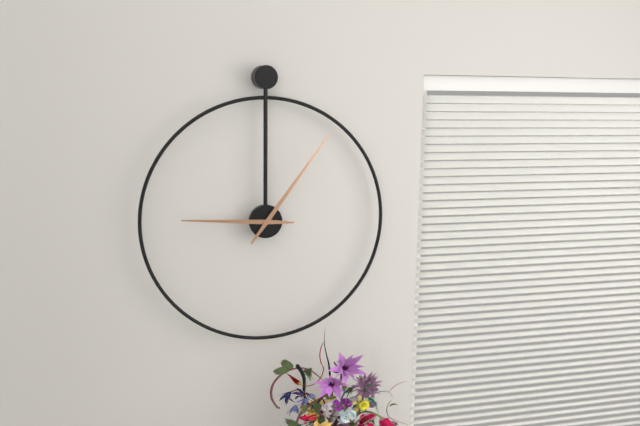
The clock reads 9,06
